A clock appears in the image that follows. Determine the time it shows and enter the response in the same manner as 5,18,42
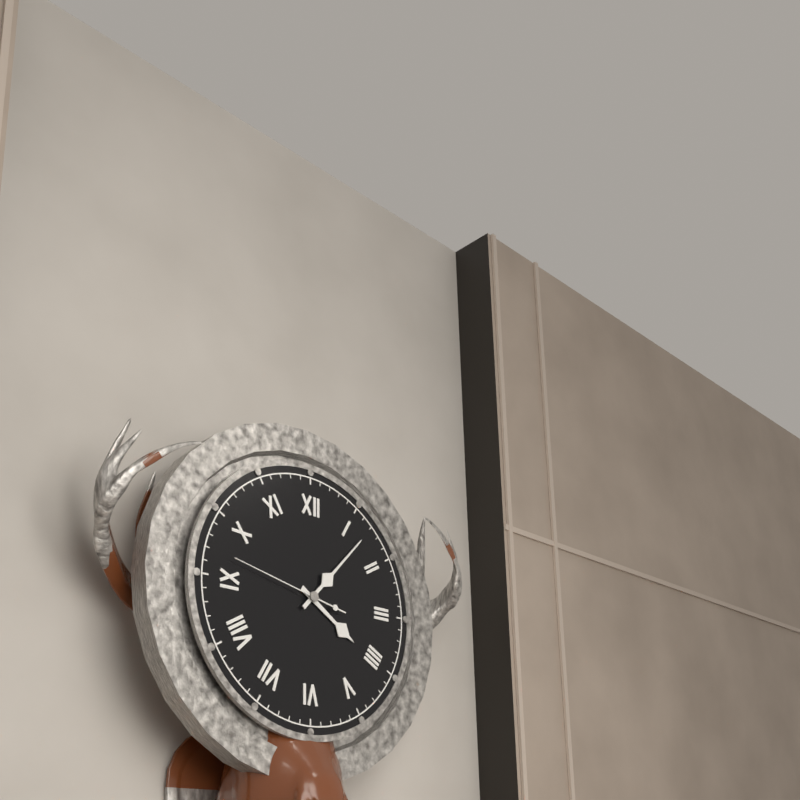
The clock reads 4,07,47
